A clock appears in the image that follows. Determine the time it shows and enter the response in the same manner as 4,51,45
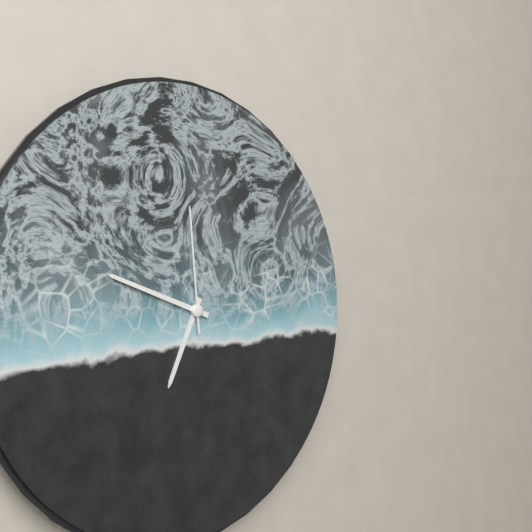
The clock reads 6,48,59
